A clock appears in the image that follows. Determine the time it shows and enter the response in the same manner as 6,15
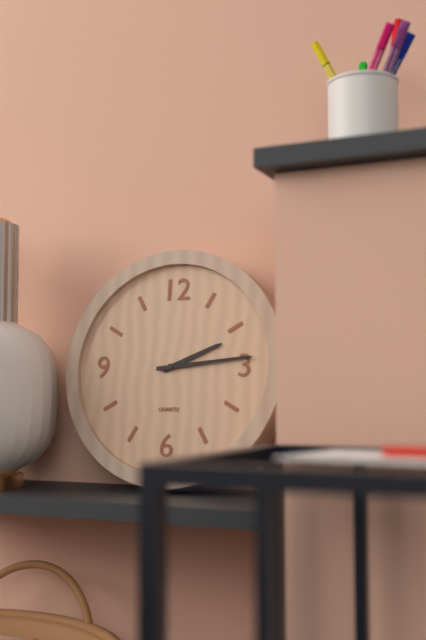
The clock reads 2,14
